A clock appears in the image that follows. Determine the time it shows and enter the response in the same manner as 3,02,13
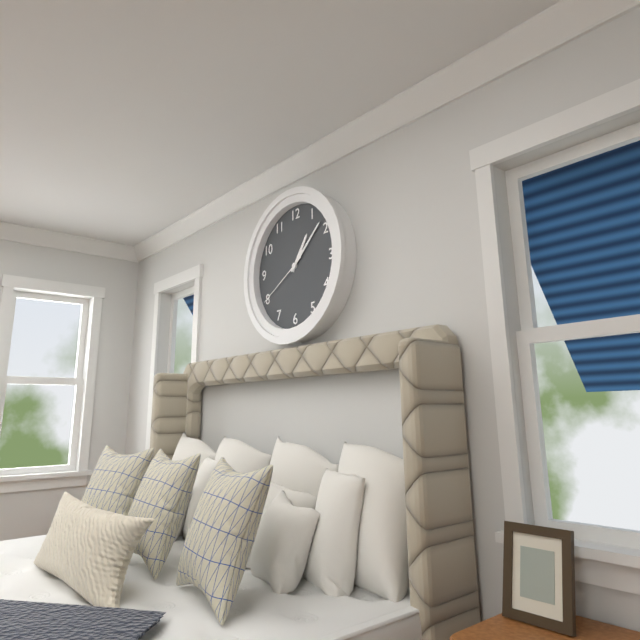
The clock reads 1,08,40
